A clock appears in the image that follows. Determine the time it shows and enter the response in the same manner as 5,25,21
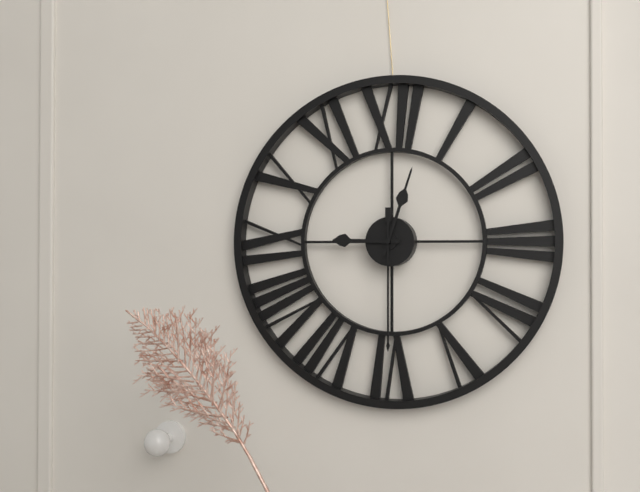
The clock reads 9,03,30
